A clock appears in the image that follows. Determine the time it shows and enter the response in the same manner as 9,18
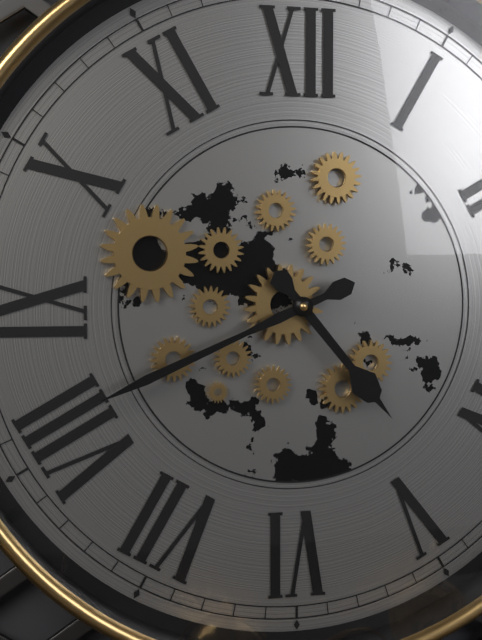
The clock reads 4,41
